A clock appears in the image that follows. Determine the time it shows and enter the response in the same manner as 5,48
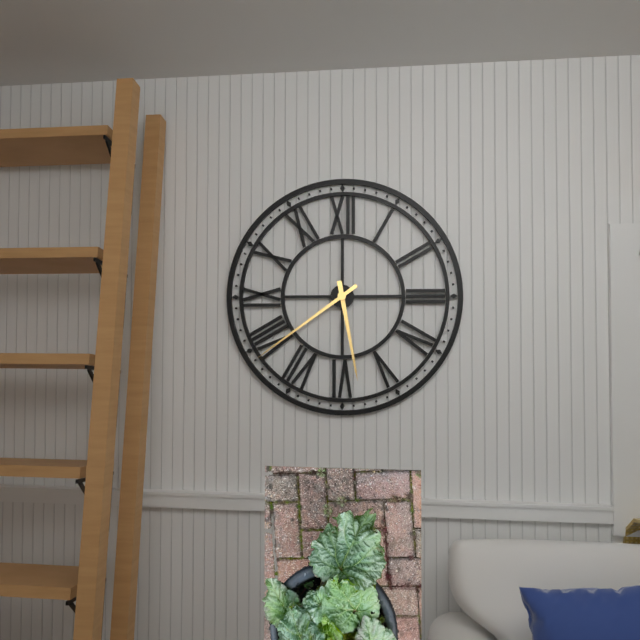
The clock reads 5,39
